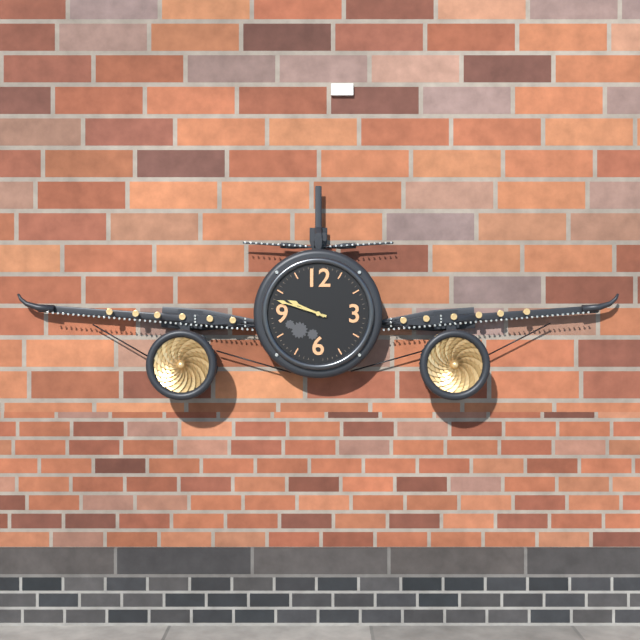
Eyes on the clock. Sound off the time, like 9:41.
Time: 9:48
